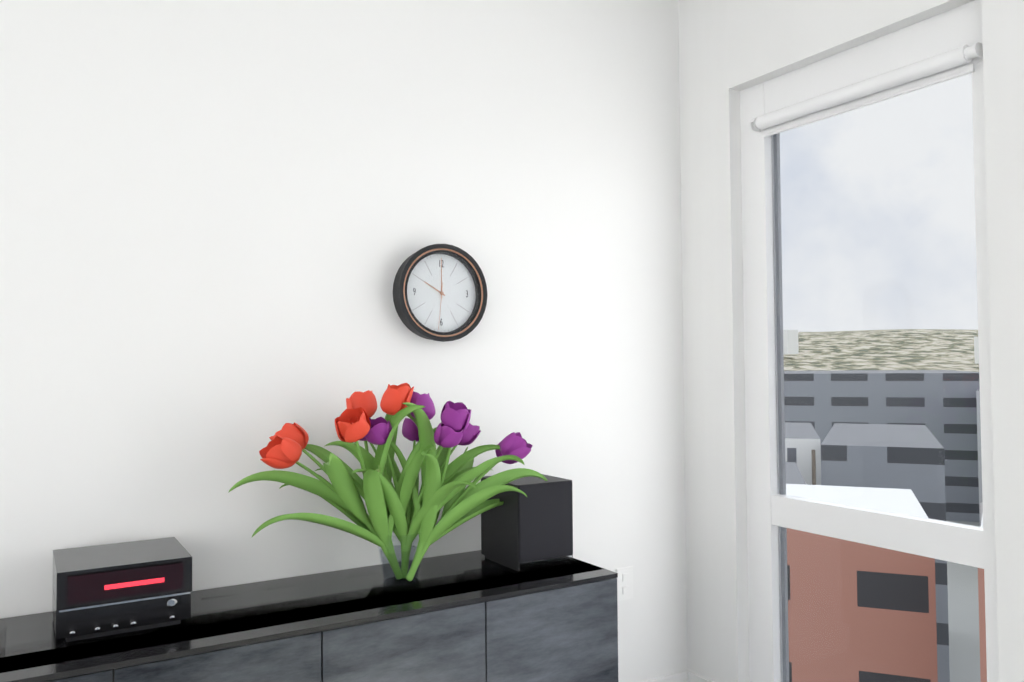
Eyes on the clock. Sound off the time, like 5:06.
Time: 10:00
